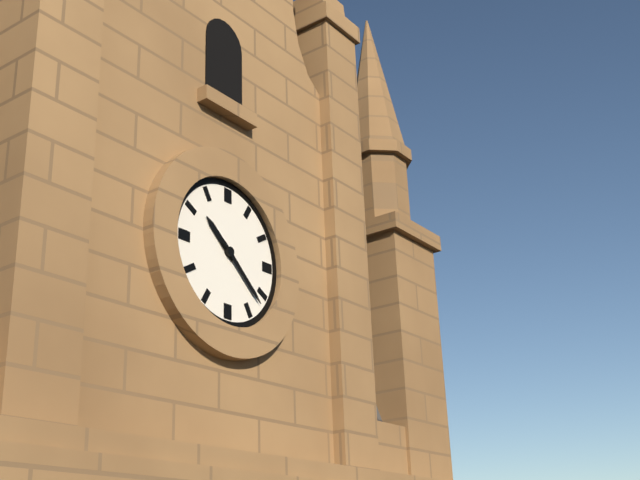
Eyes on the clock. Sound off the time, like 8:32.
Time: 10:22
